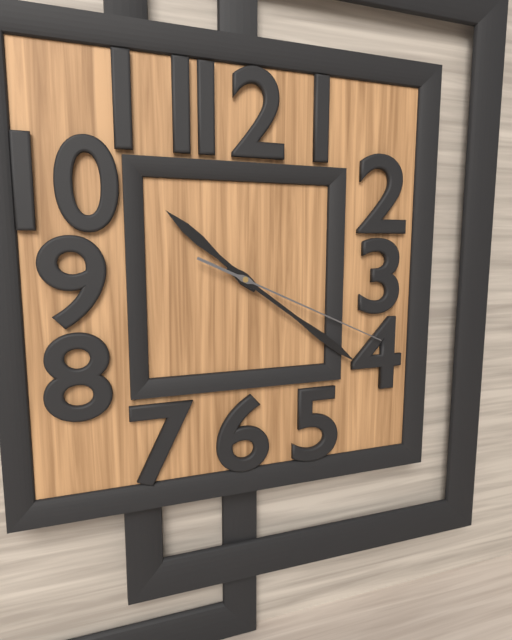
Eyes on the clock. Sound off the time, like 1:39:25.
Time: 10:21:19
